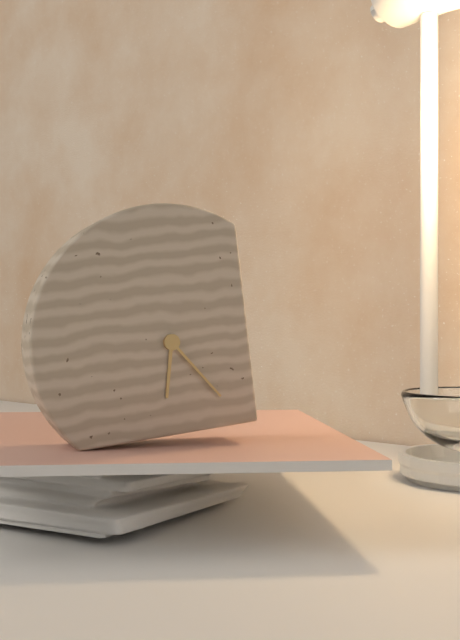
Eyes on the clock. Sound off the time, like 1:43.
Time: 6:24
